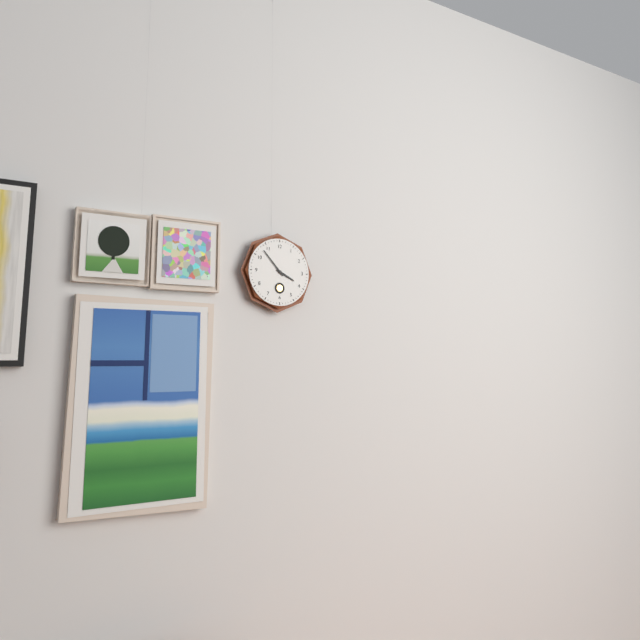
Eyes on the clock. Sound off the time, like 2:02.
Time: 3:53
